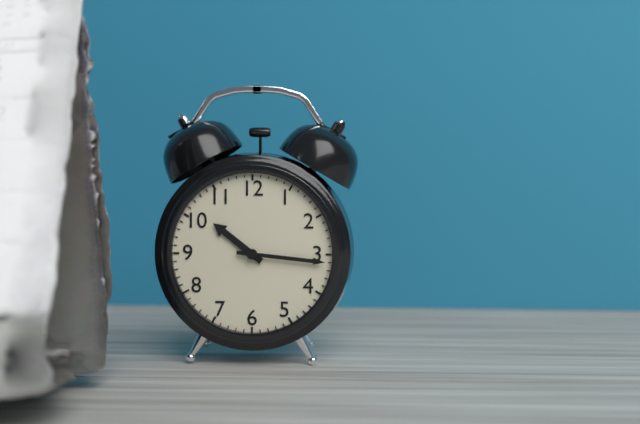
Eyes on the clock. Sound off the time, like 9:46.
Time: 10:16
